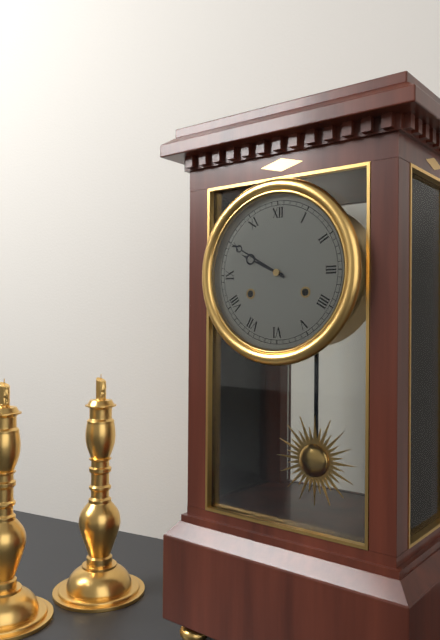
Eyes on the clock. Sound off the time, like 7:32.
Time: 9:50
